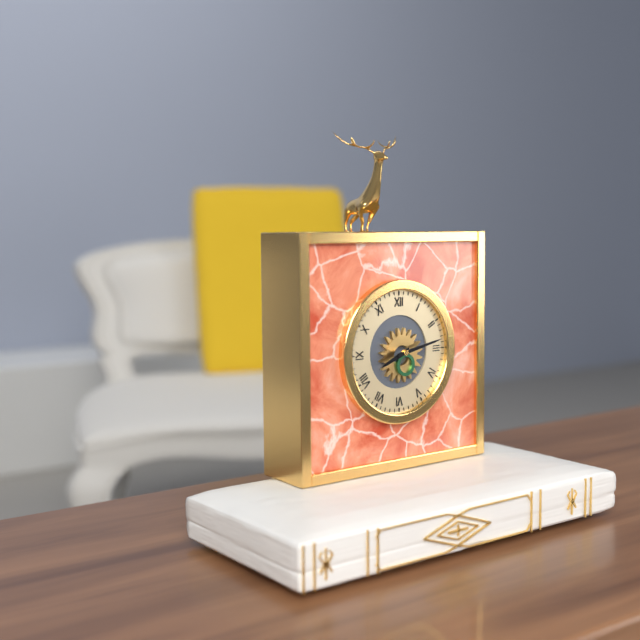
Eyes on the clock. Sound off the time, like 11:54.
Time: 8:13
